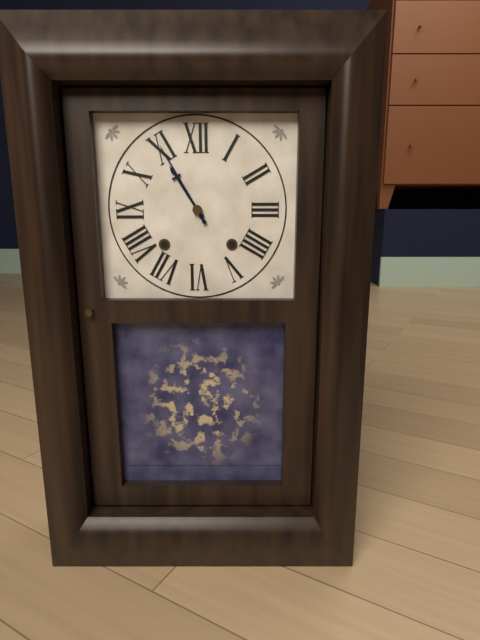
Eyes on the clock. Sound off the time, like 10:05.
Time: 10:55
